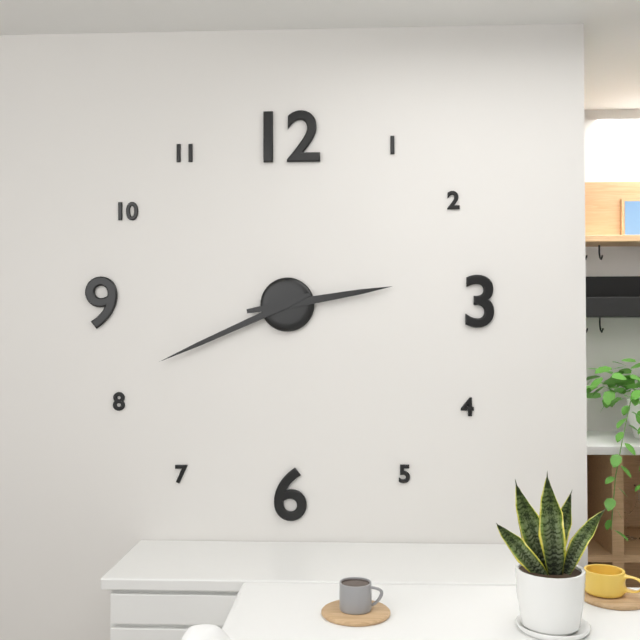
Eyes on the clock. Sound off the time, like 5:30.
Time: 2:41
